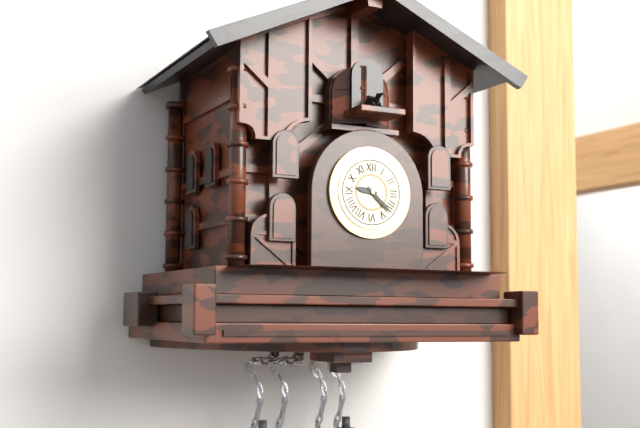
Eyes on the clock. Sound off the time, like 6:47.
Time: 9:22
